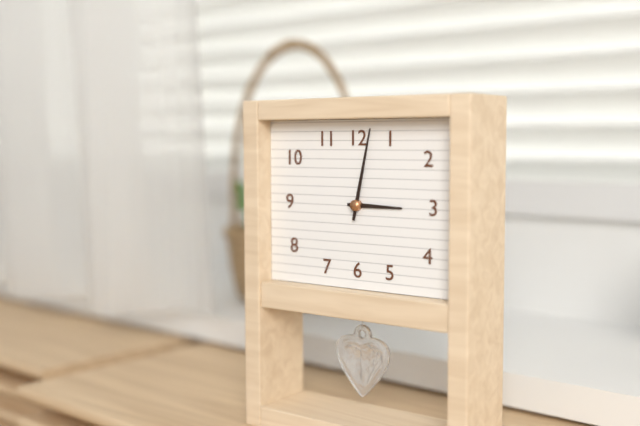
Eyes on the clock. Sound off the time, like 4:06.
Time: 3:02
